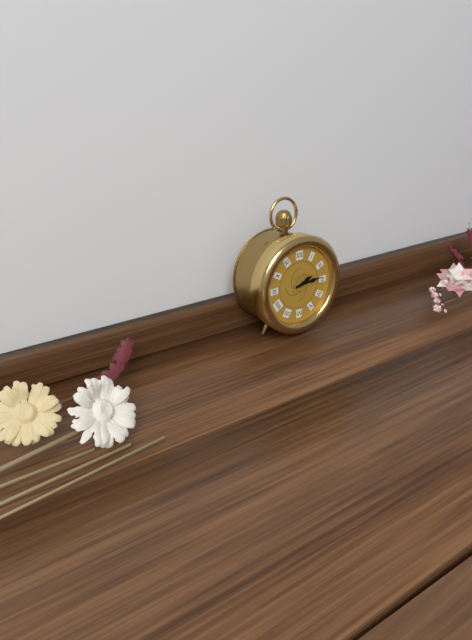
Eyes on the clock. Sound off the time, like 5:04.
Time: 2:14
